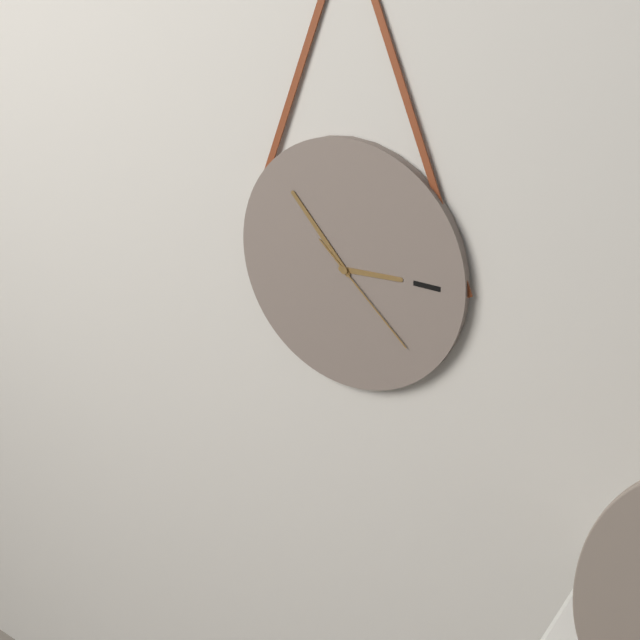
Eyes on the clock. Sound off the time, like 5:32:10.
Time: 2:53:22
